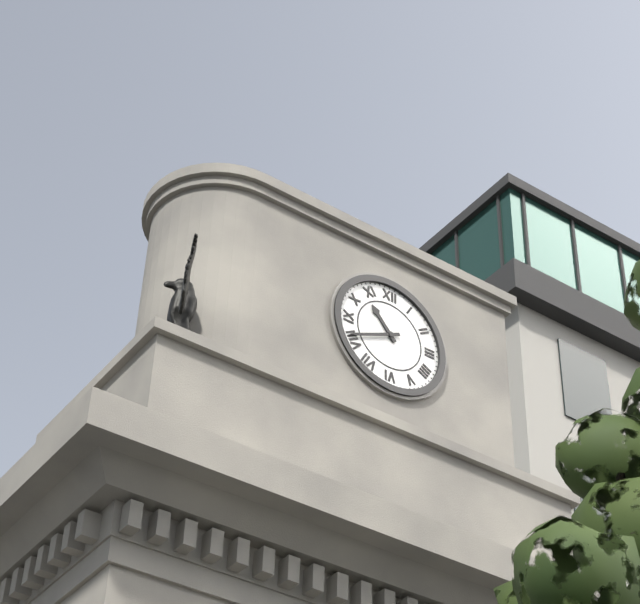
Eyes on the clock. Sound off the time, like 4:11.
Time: 10:41
